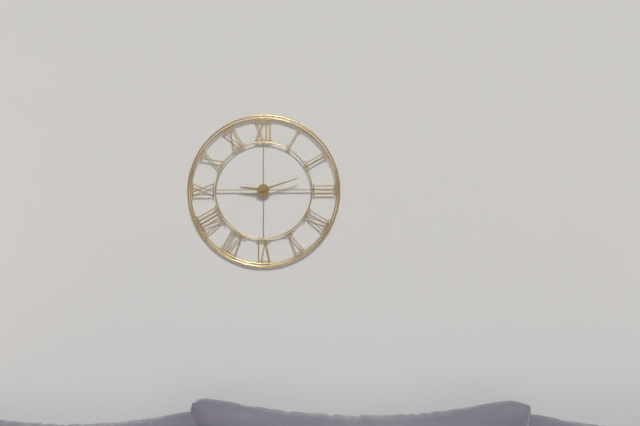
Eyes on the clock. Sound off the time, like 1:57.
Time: 9:12
